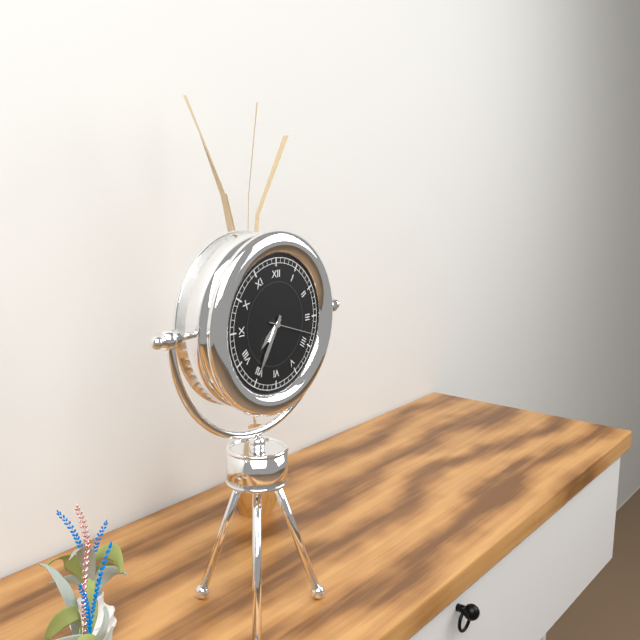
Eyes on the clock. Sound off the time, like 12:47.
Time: 7:35
